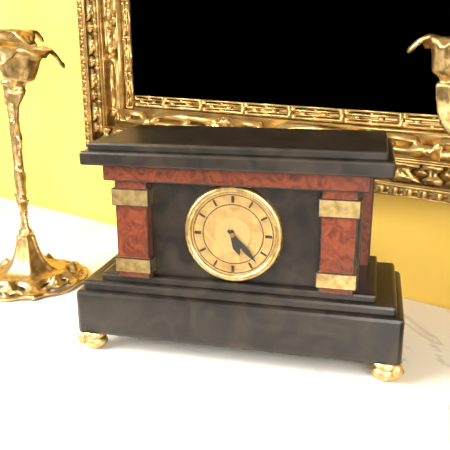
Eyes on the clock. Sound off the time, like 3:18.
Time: 5:23
